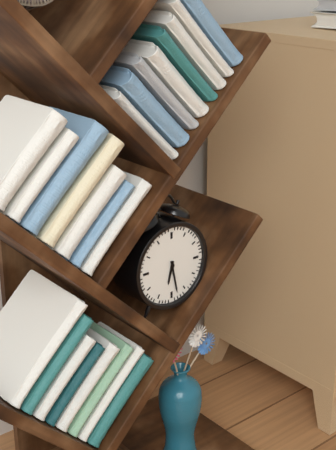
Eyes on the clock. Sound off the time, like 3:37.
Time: 6:28
